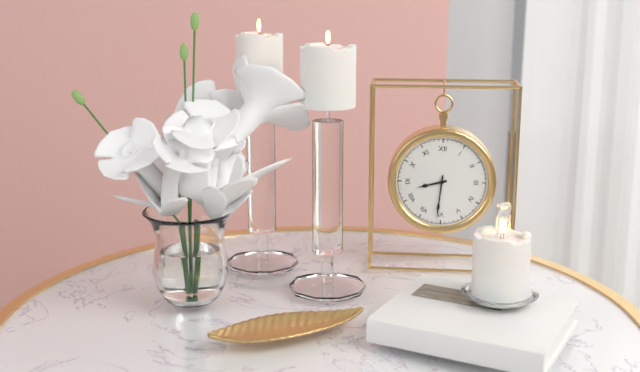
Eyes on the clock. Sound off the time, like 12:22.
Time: 8:31
